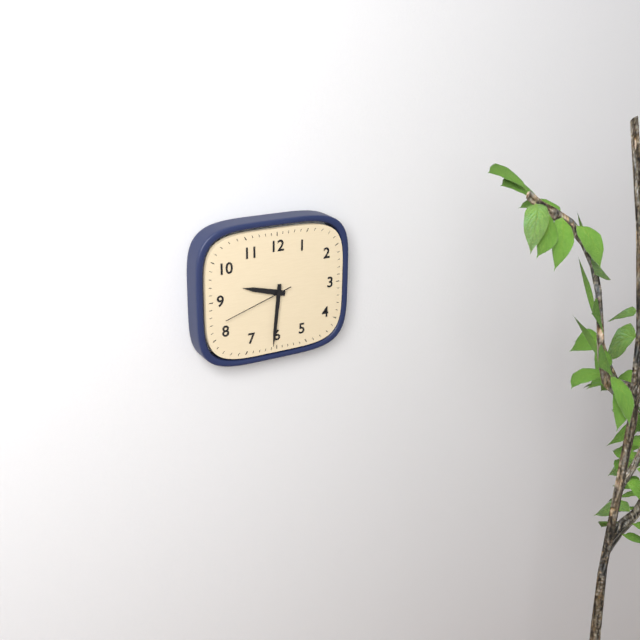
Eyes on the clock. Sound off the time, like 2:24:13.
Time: 9:31:42
